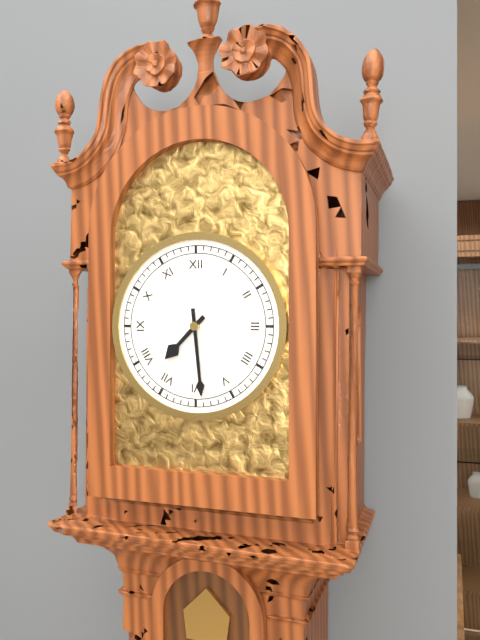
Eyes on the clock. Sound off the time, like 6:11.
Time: 7:29
